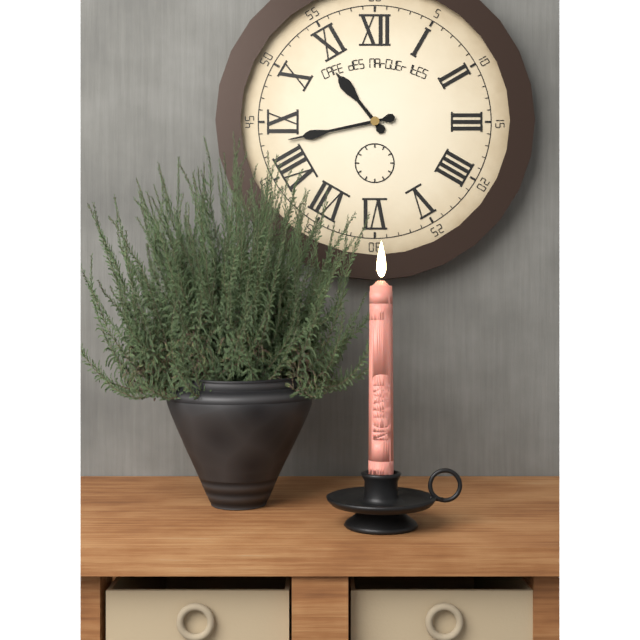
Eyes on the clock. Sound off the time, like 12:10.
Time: 10:43
